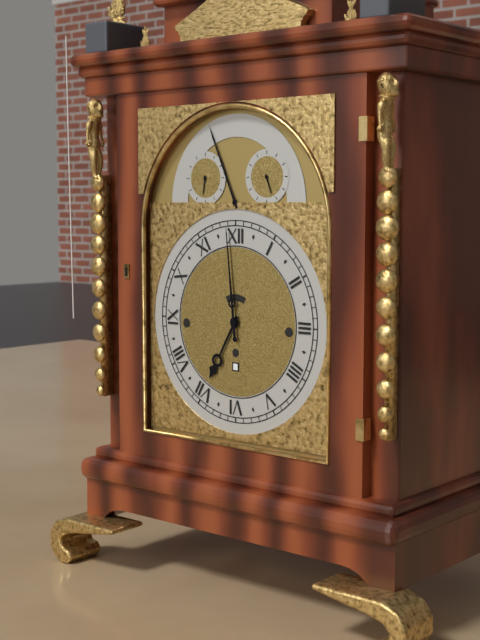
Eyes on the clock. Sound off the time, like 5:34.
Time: 6:59
